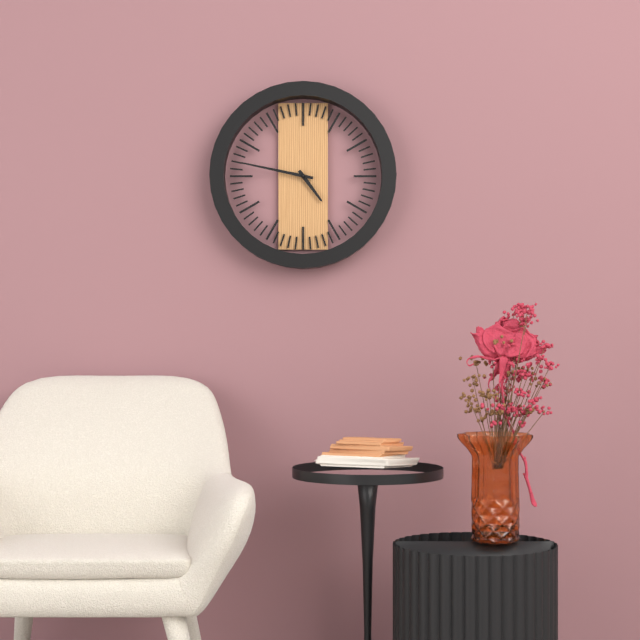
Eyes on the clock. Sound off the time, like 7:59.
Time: 4:47
